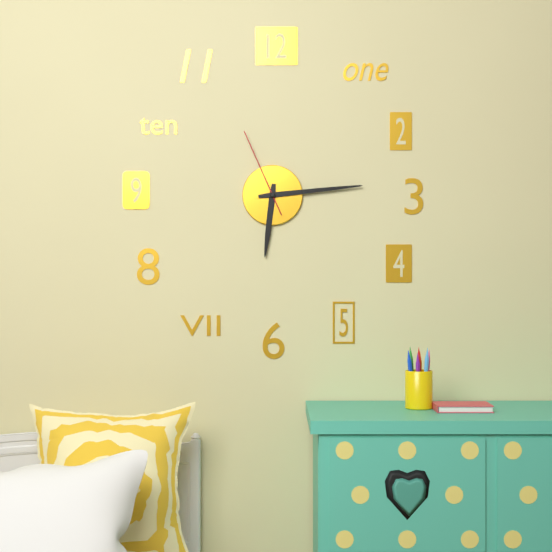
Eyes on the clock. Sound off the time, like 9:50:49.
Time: 6:14:56
